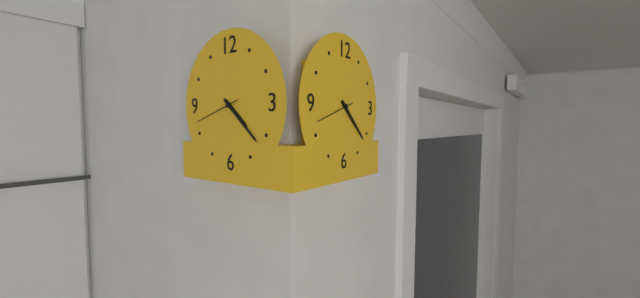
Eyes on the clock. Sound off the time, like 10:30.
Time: 4:22
